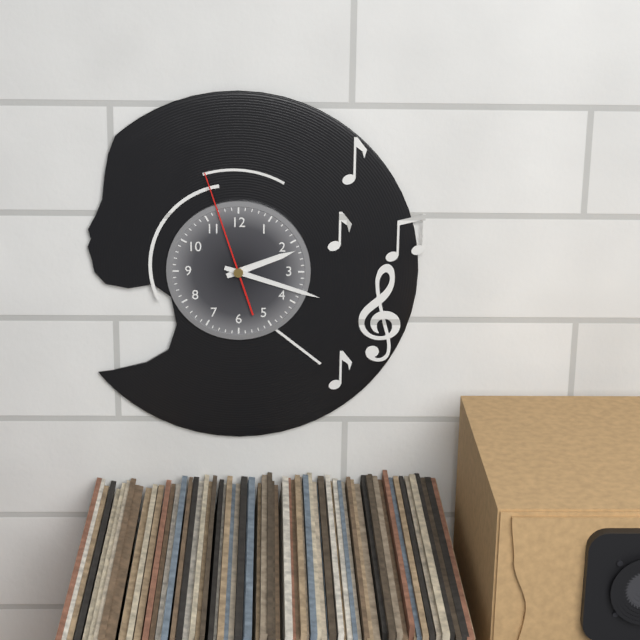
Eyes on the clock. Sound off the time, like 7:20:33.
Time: 2:18:57
